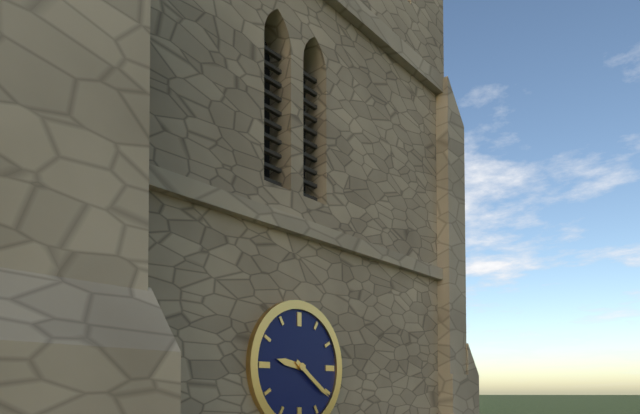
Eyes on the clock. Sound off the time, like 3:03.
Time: 9:21
